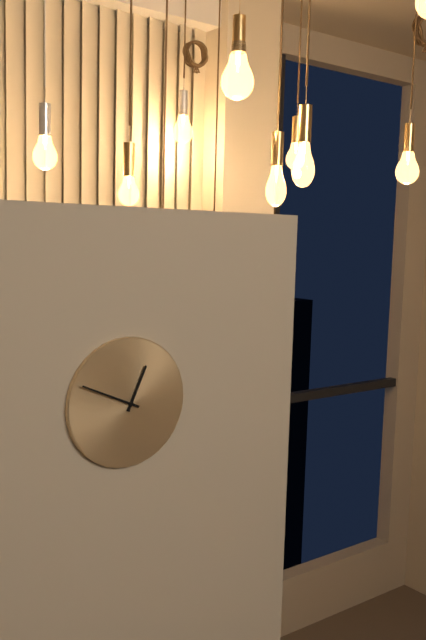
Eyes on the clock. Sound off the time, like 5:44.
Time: 12:49
